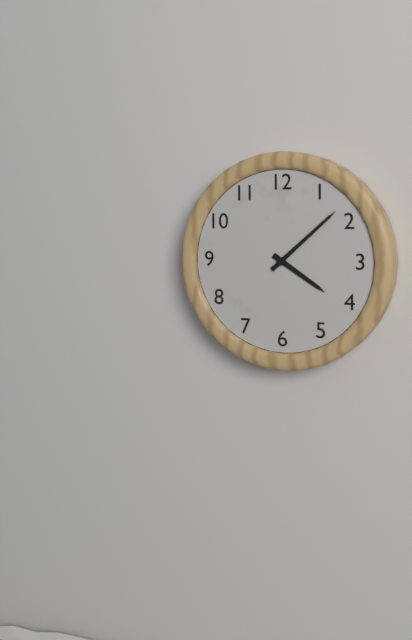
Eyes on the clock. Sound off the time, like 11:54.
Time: 4:08
